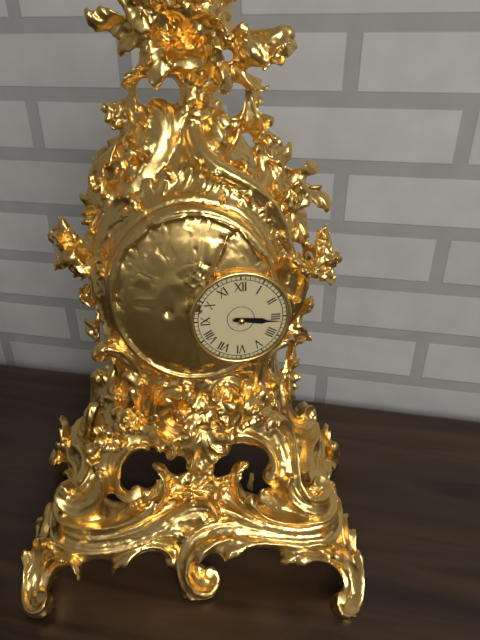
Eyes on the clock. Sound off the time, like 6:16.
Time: 3:16
